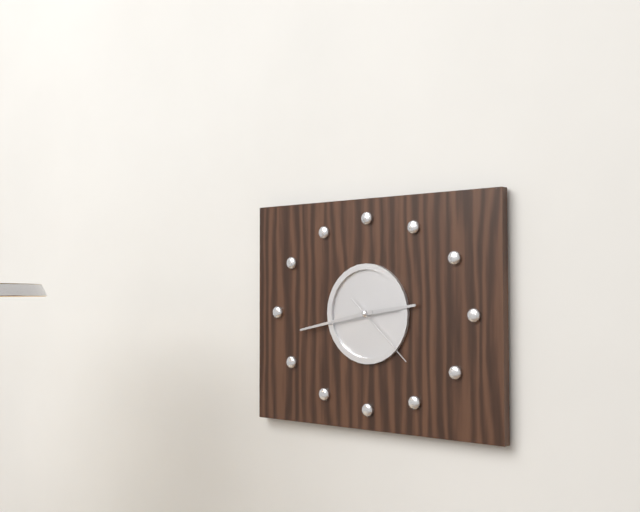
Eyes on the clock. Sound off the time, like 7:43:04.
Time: 2:43:22
